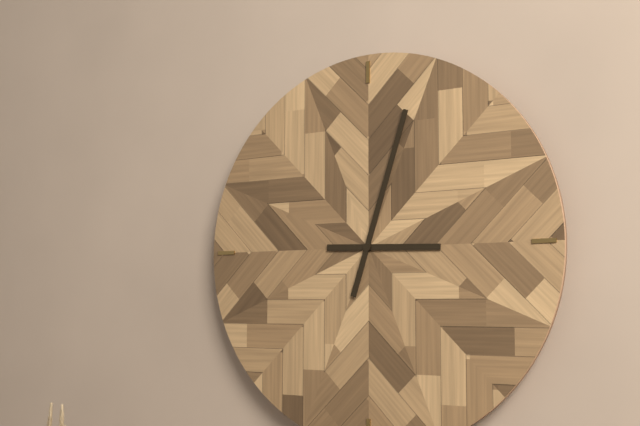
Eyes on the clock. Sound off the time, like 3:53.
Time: 3:03
